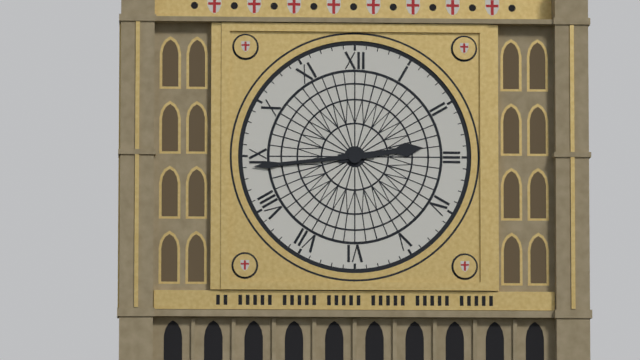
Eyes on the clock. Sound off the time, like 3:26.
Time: 2:44
